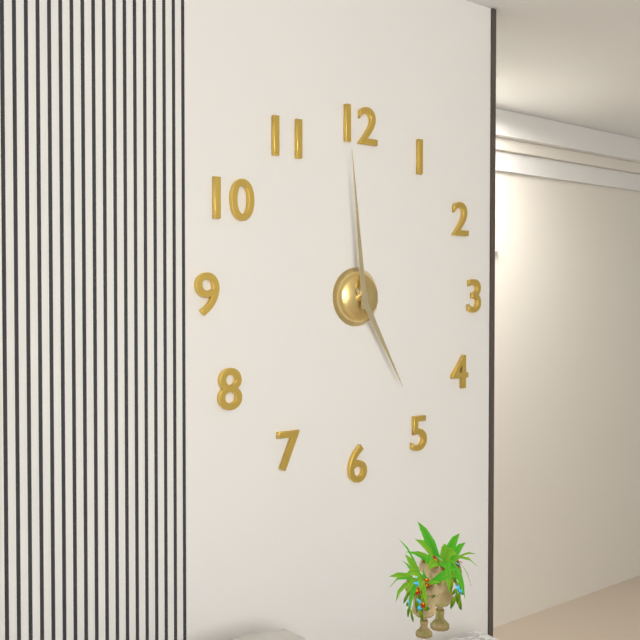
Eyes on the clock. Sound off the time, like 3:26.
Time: 4:59
